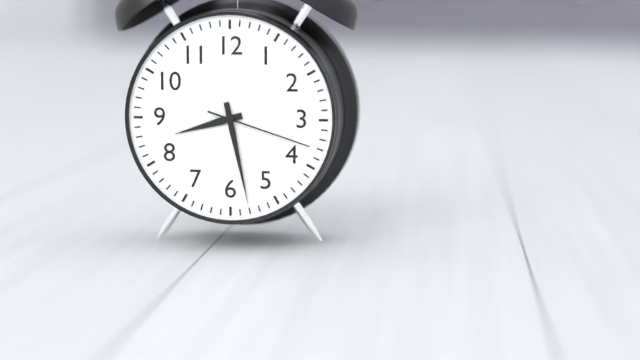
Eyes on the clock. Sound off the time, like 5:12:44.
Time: 8:28:18
